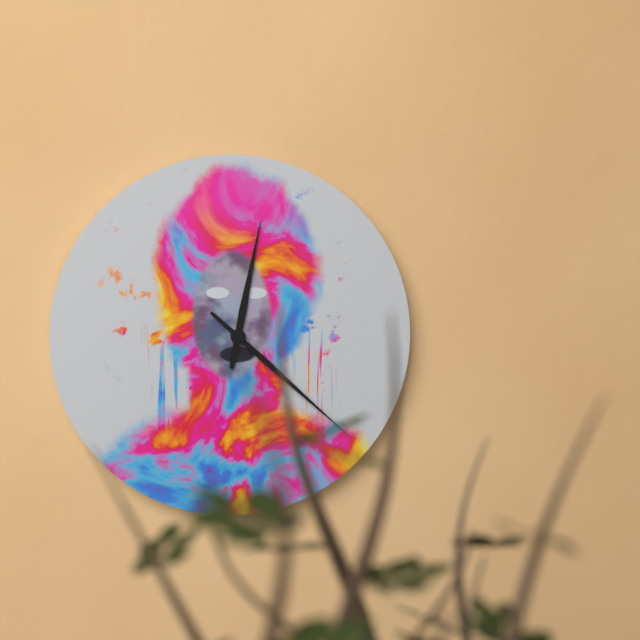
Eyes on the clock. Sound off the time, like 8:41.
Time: 12:22
